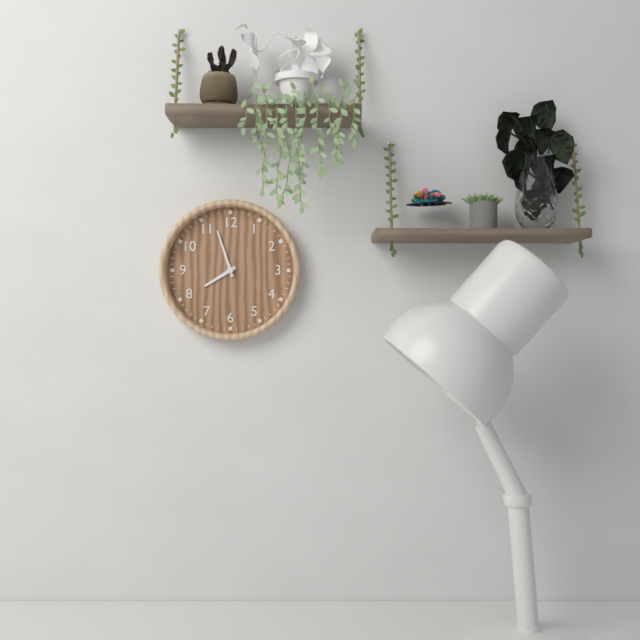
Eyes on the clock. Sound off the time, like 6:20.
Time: 7:57
